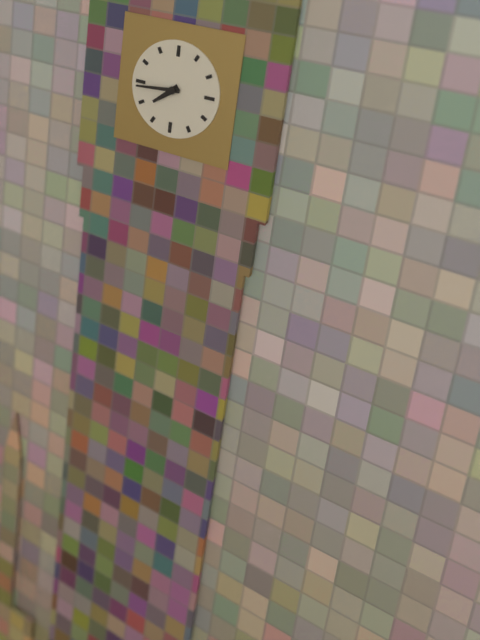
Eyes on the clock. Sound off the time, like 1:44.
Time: 7:44
